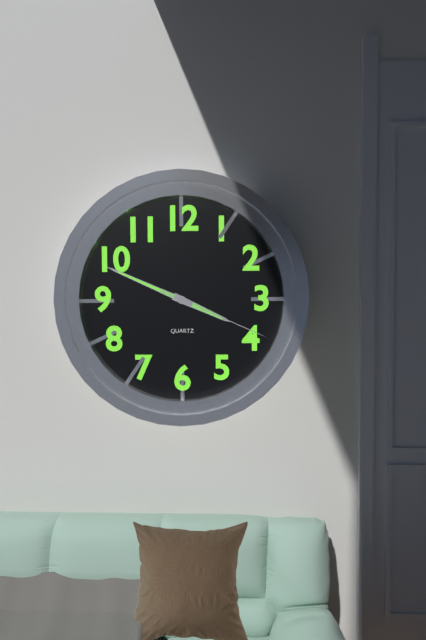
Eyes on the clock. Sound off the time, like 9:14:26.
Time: 3:49:19
